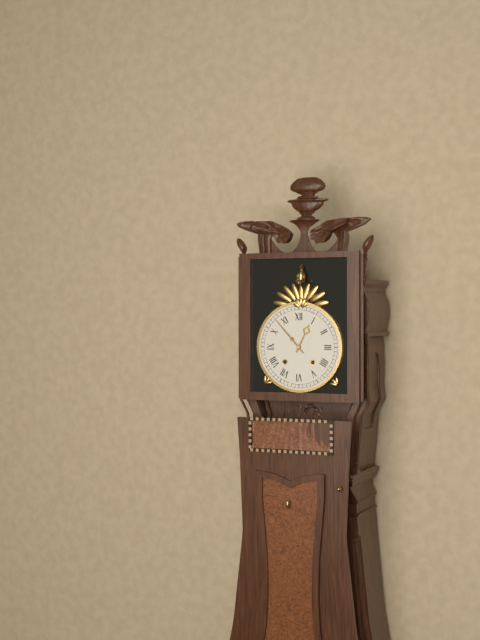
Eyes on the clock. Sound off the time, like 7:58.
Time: 12:53
